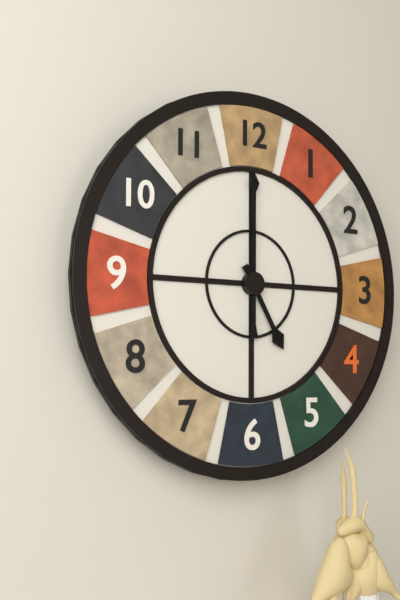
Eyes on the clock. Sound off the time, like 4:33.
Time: 5:00
